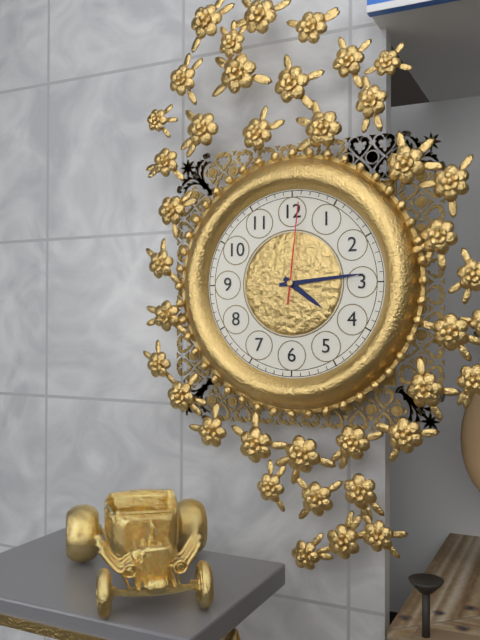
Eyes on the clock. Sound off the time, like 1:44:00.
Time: 4:14:01
